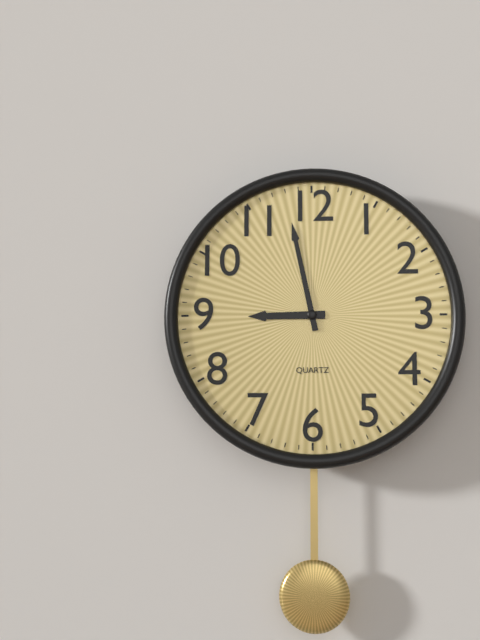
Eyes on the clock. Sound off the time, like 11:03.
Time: 8:58
